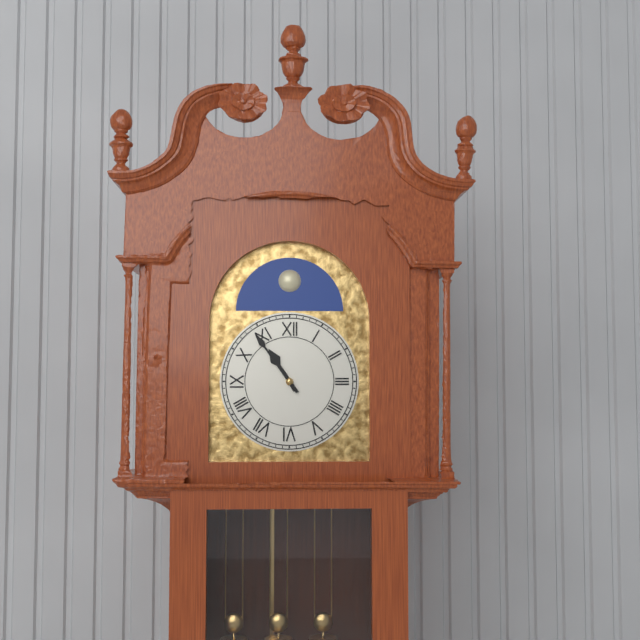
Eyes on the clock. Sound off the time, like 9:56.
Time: 10:54
